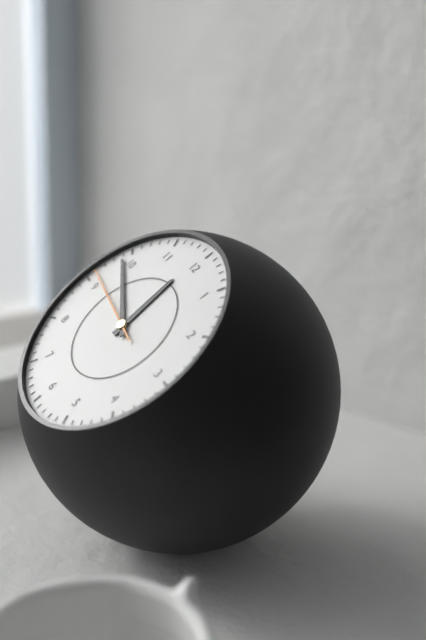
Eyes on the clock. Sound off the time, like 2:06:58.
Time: 11:49:46
